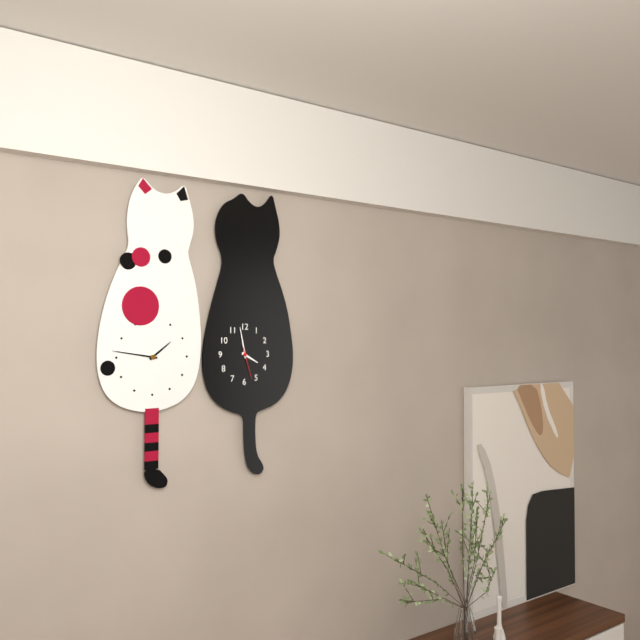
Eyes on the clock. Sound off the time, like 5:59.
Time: 3:58
